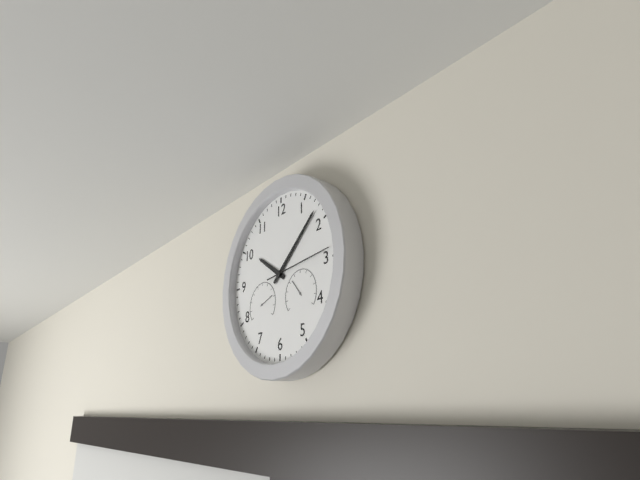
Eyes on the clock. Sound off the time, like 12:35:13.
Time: 10:08:14
